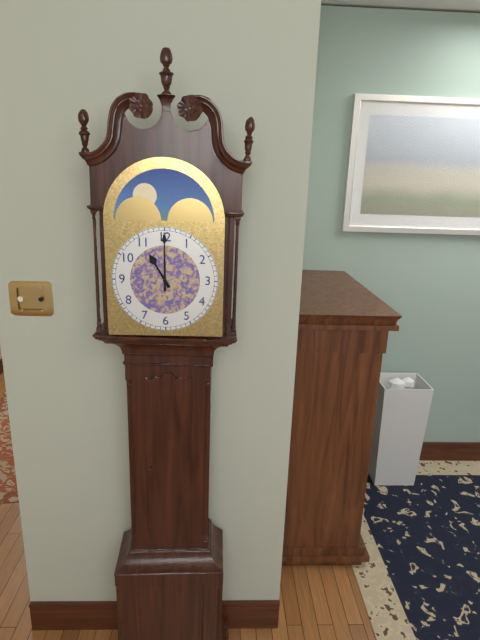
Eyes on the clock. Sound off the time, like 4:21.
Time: 11:00
